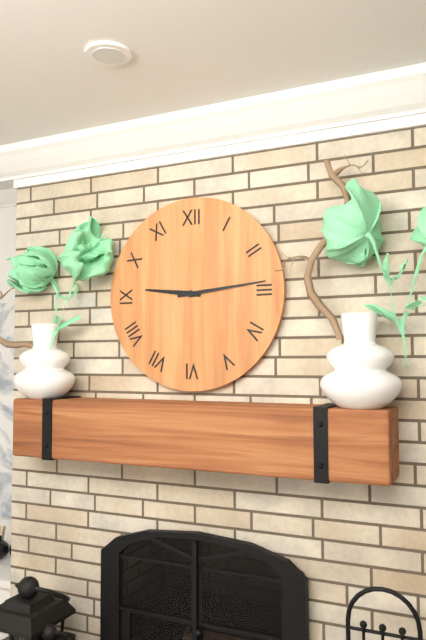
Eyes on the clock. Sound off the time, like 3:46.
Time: 9:14
